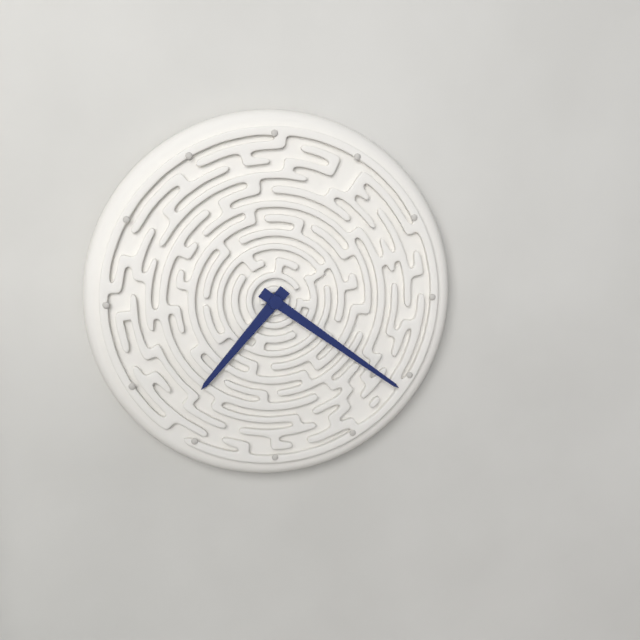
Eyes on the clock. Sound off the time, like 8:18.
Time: 7:21
